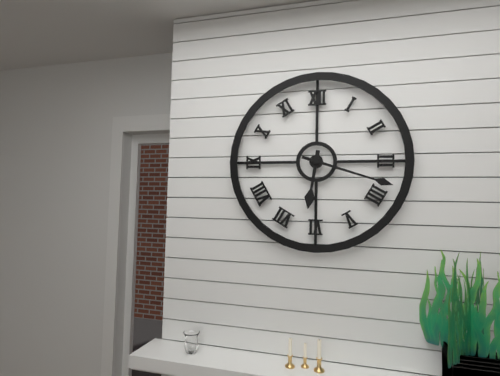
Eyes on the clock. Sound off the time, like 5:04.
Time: 6:18
